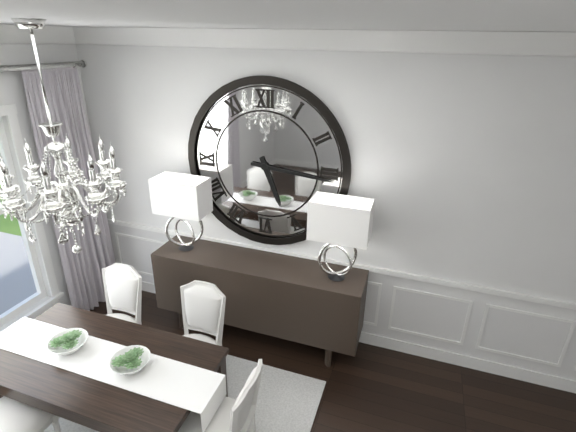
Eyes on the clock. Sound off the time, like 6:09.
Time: 5:16
